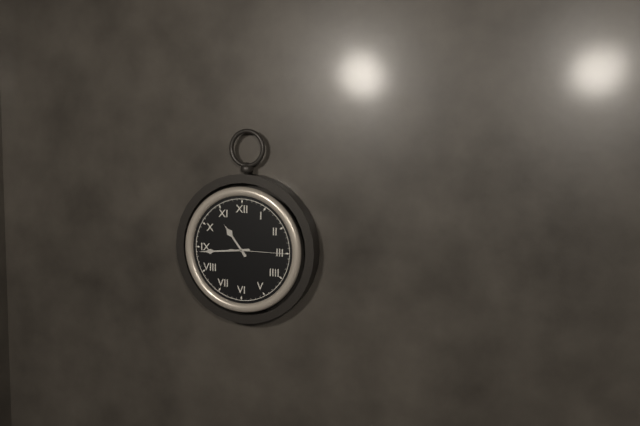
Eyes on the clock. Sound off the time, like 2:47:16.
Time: 10:44:15
